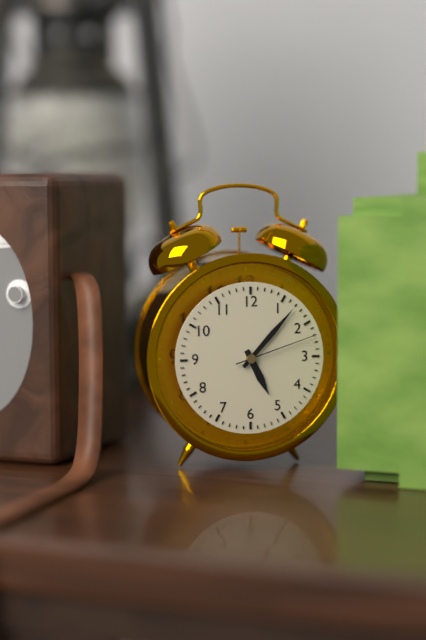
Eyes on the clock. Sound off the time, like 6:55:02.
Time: 5:07:12
